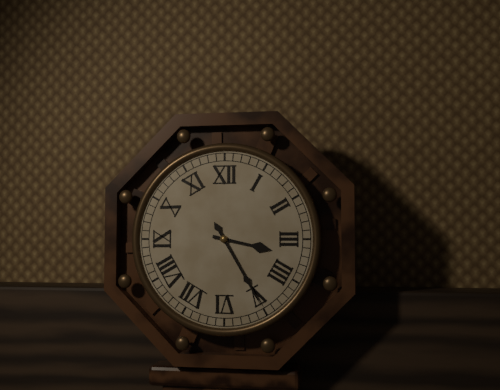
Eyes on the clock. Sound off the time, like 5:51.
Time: 3:25
